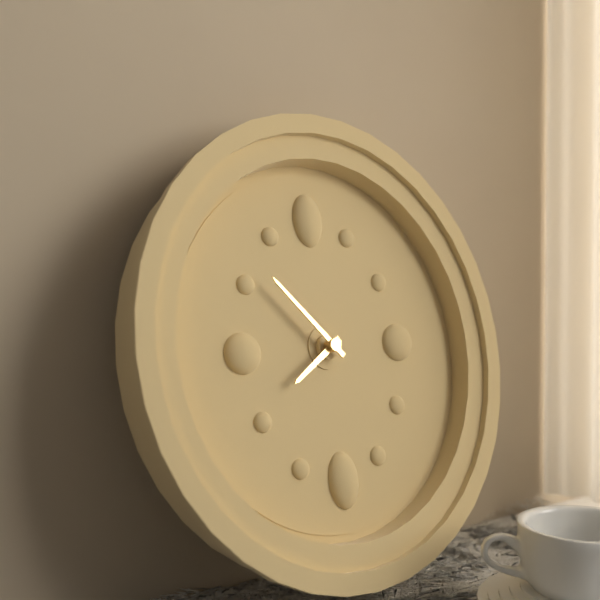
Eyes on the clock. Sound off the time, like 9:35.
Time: 7:53
